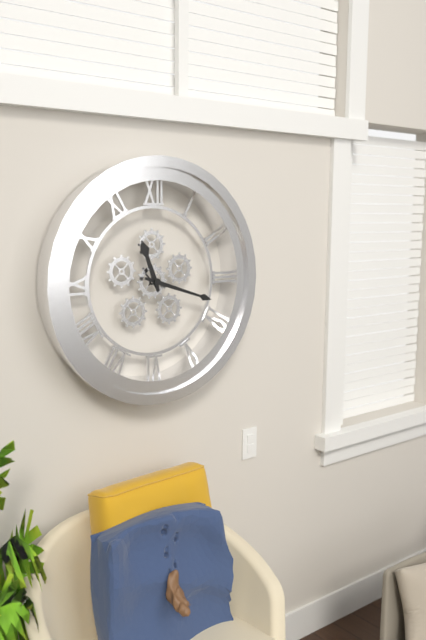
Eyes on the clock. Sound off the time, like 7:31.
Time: 11:18
